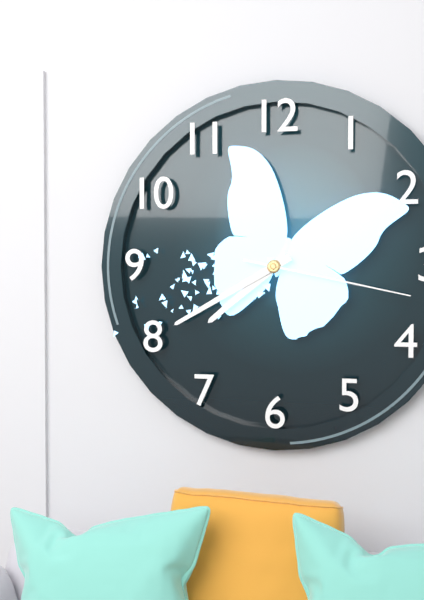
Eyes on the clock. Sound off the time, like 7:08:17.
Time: 7:40:17
